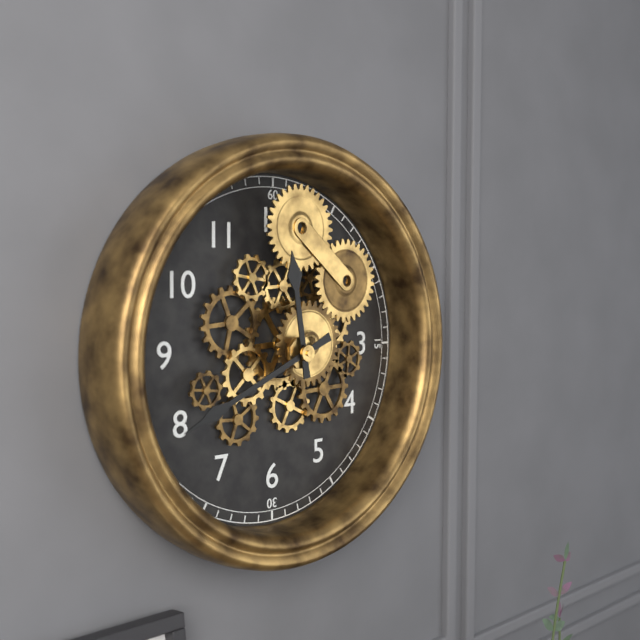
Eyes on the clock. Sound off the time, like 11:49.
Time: 11:41
